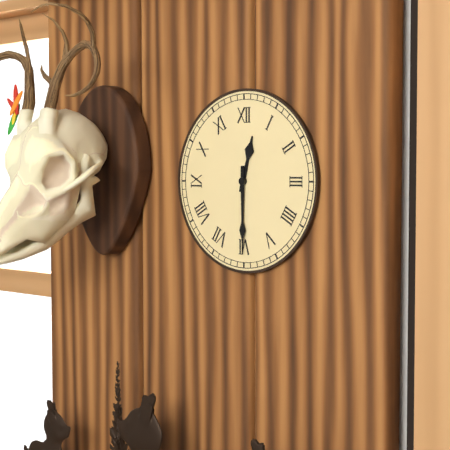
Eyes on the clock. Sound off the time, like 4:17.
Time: 12:30
